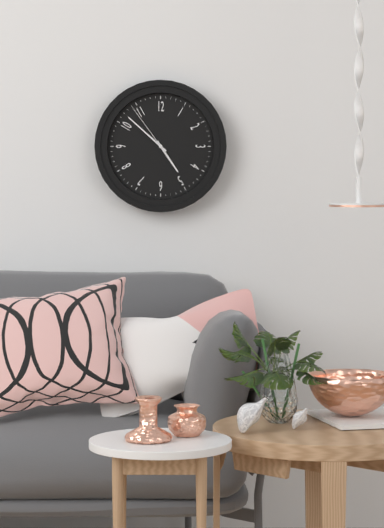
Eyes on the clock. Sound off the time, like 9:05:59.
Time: 4:52:54
